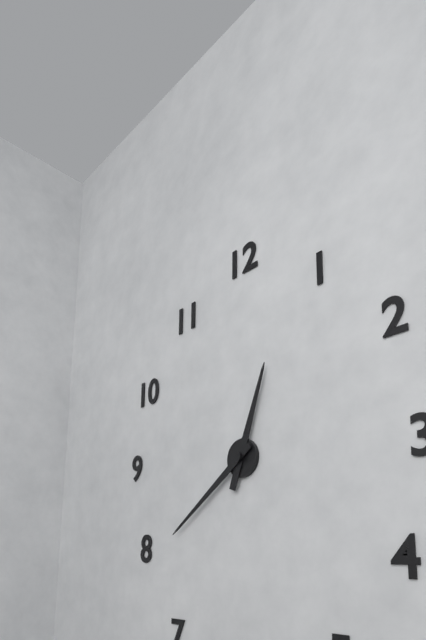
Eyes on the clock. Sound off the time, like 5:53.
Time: 12:39
